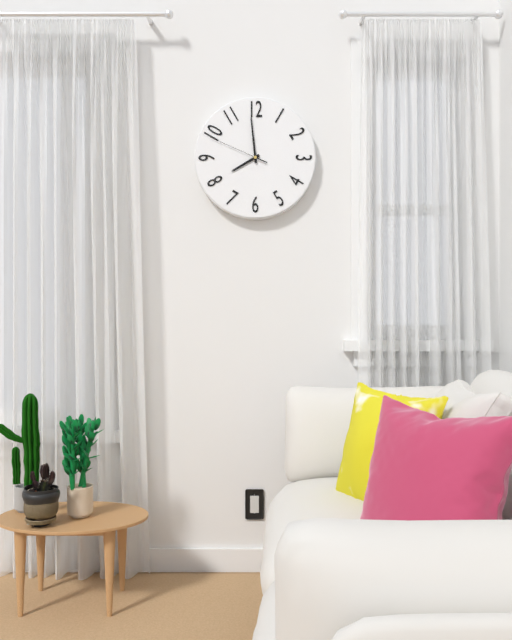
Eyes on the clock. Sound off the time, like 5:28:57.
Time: 7:59:49
